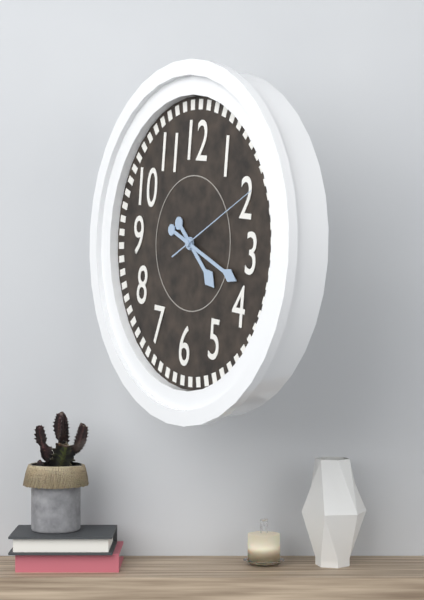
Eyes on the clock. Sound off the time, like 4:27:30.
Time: 4:18:10
